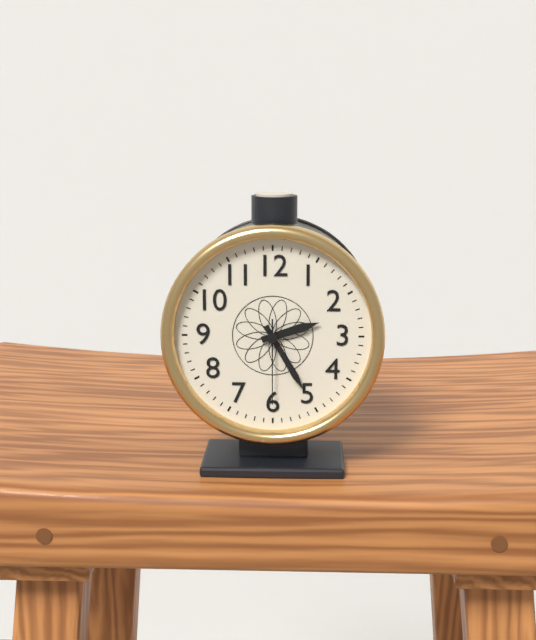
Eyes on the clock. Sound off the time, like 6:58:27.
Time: 2:25:30
